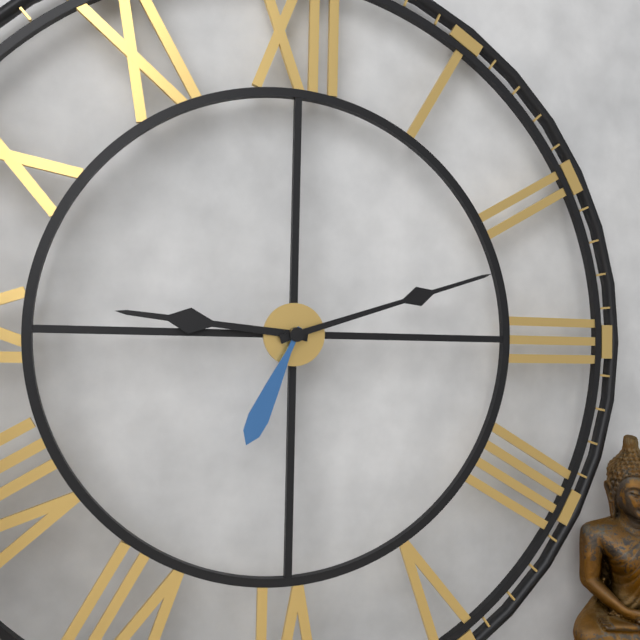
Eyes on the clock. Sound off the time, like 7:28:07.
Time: 9:12:34
